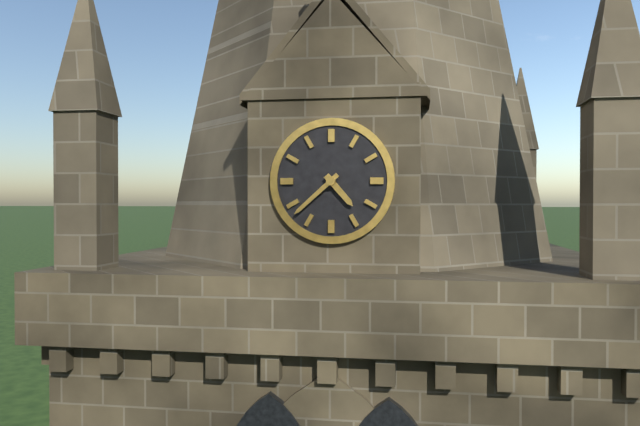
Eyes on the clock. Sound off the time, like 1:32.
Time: 4:38
